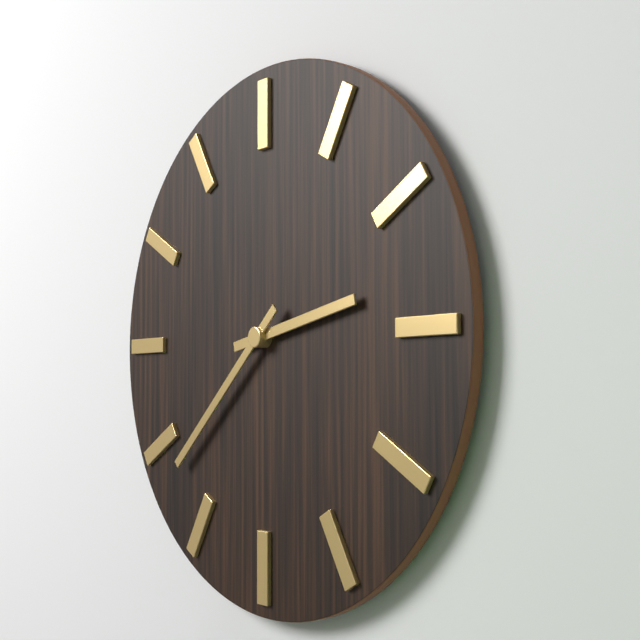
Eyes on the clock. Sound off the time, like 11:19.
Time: 2:38
